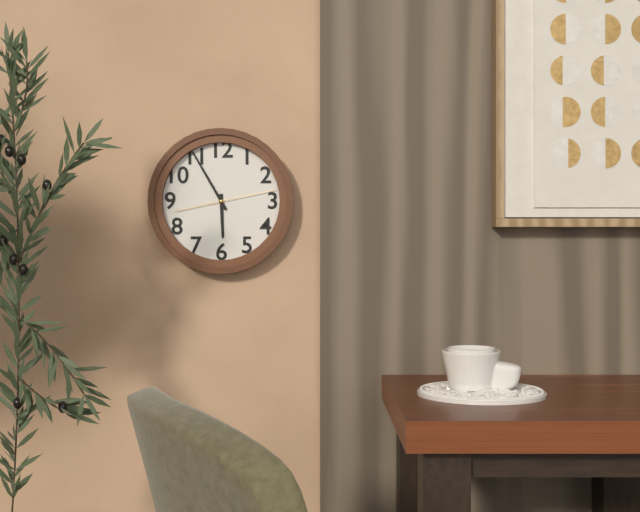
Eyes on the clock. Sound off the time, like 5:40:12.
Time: 5:55:13
